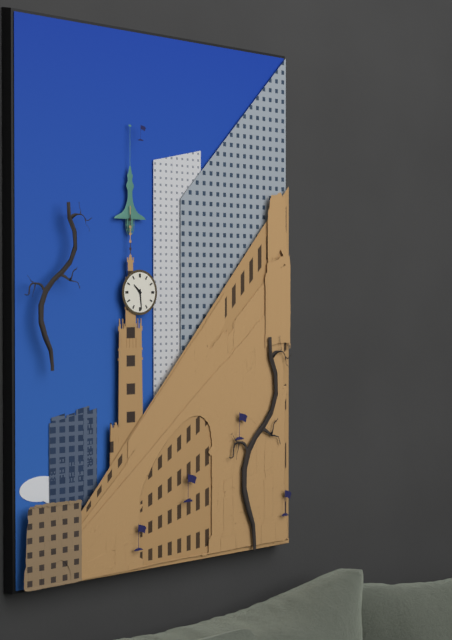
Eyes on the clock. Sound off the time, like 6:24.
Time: 10:29
